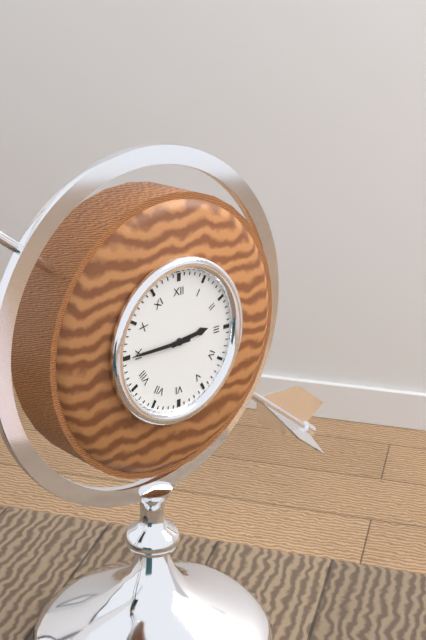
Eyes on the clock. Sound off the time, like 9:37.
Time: 2:45
